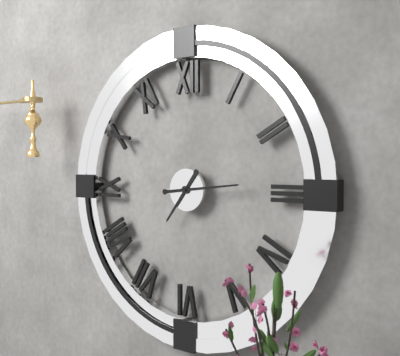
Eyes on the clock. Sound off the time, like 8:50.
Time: 7:14
